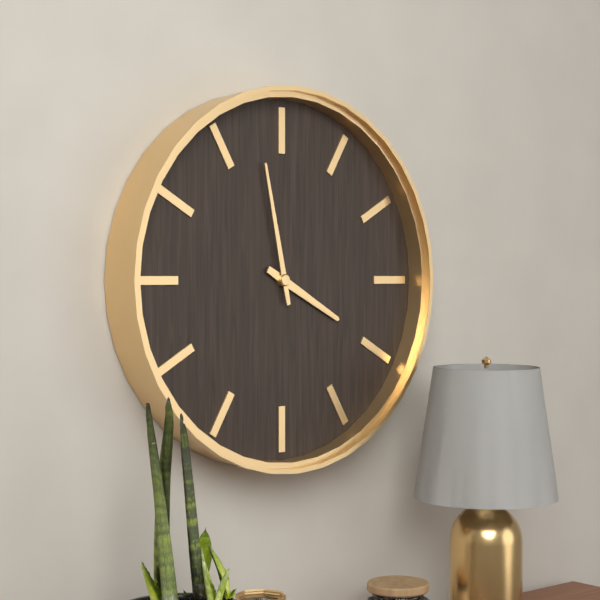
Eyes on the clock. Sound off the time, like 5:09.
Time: 3:58
